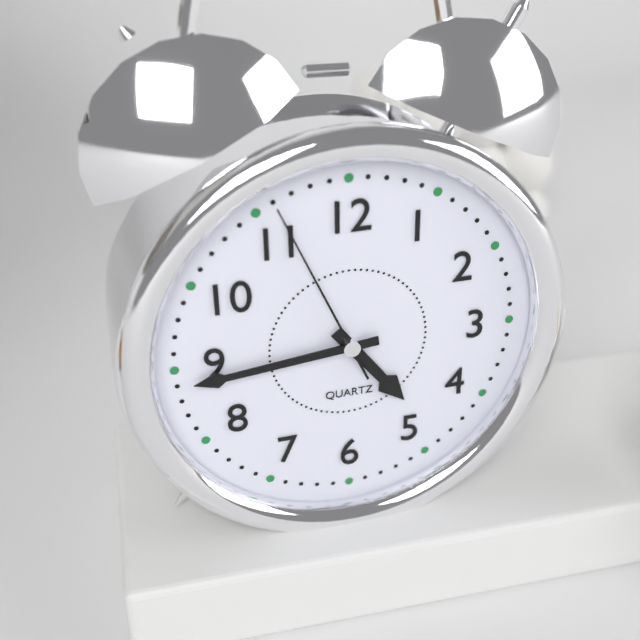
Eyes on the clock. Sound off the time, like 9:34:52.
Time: 4:44:56
